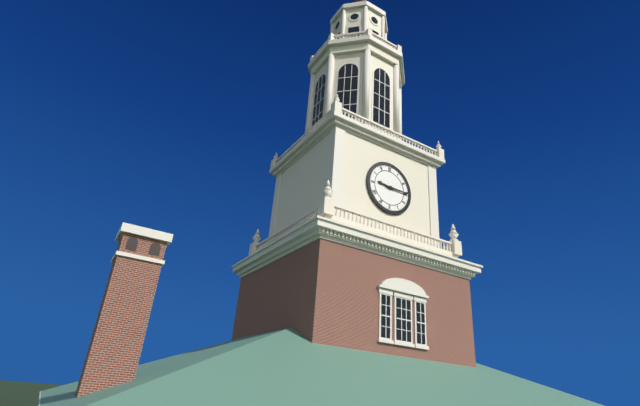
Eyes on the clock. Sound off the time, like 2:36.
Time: 9:15
